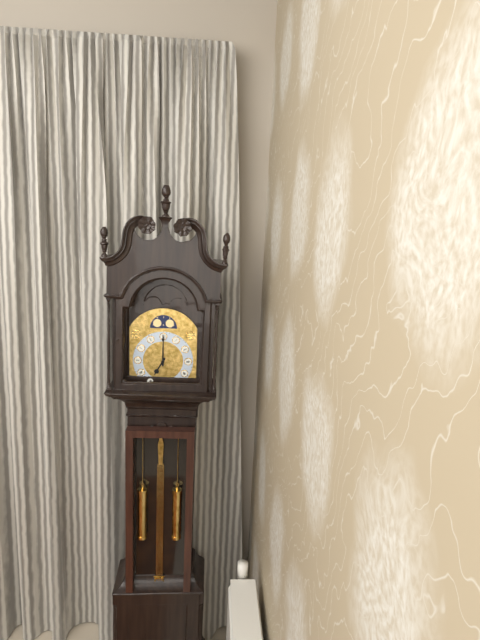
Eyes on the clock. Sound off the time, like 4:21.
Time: 7:00
